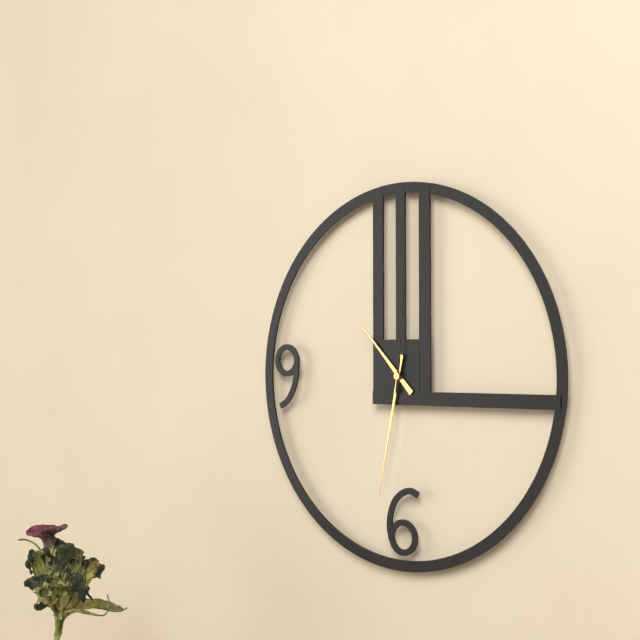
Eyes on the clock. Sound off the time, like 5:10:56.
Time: 10:32:01
